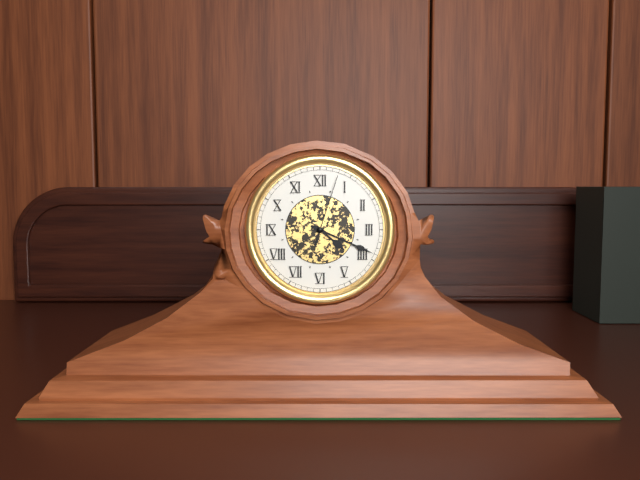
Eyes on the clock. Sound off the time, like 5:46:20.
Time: 4:19:03
